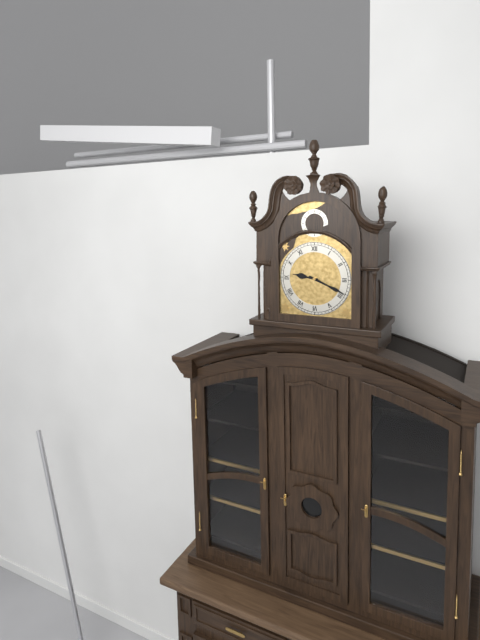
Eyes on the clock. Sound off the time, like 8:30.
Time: 9:19
